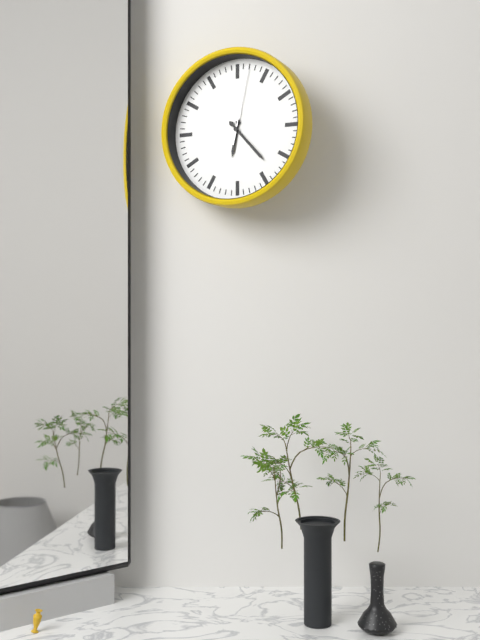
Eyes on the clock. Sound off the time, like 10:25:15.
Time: 6:23:02
